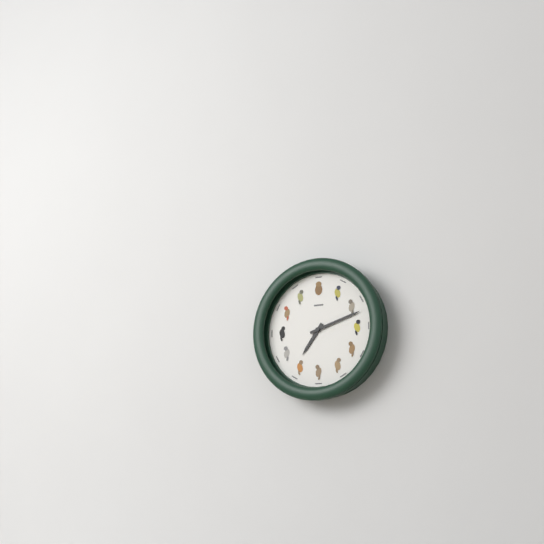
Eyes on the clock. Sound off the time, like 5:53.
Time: 7:12
